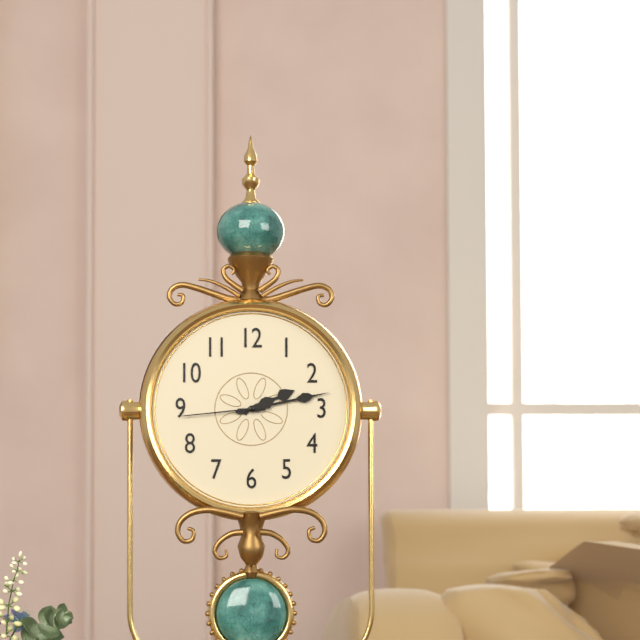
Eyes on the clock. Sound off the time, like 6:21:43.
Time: 2:13:44
